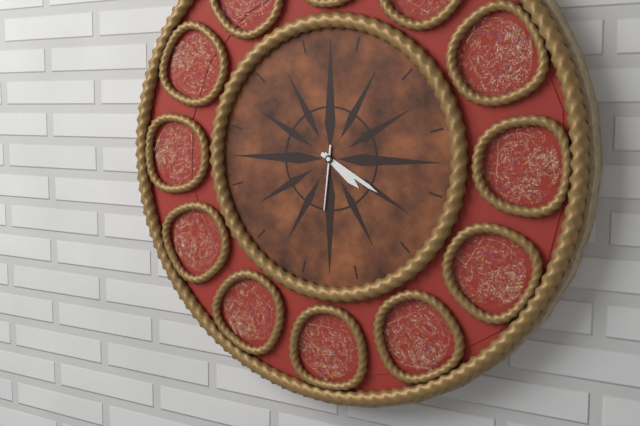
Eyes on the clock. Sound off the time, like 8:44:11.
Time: 4:20:31
